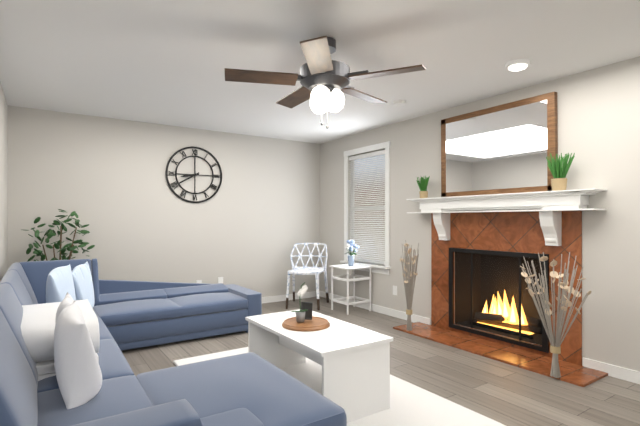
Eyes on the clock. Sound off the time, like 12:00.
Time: 8:40
